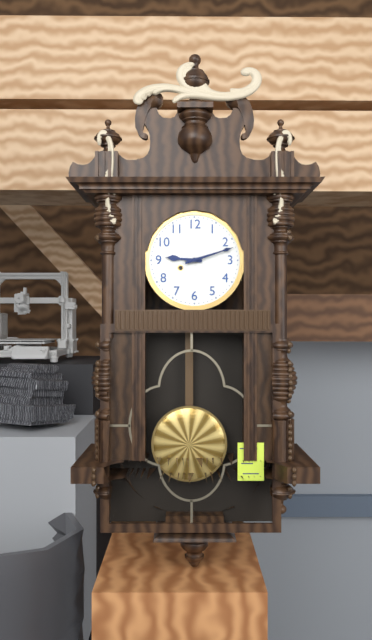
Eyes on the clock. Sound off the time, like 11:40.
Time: 9:12
